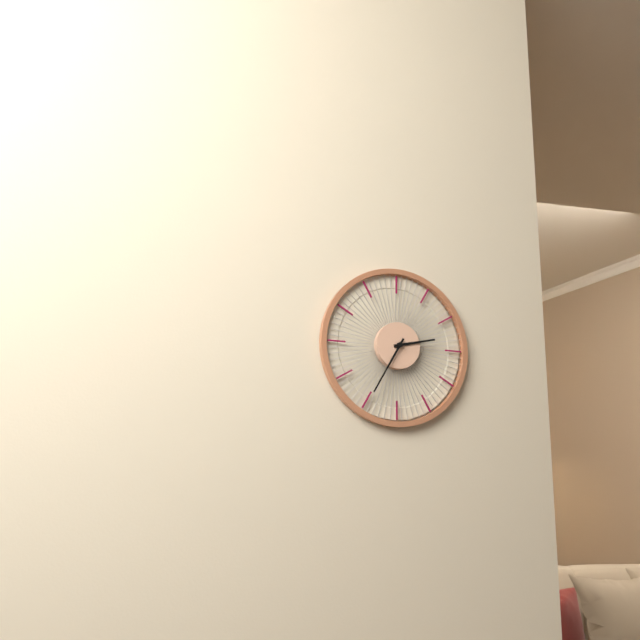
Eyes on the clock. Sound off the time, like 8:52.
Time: 2:35
